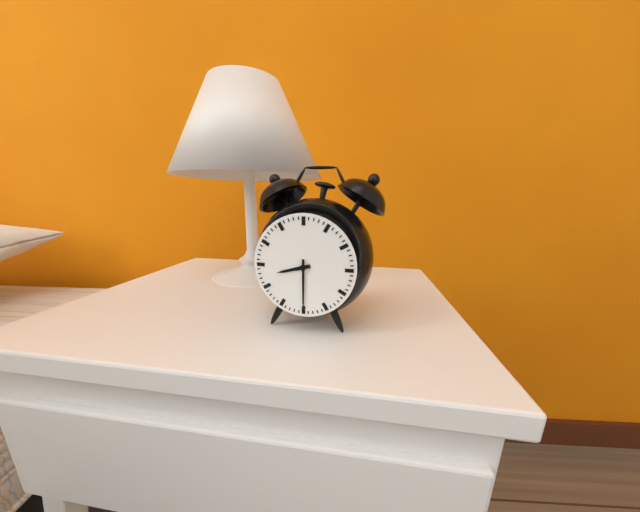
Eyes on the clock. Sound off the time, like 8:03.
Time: 8:30
